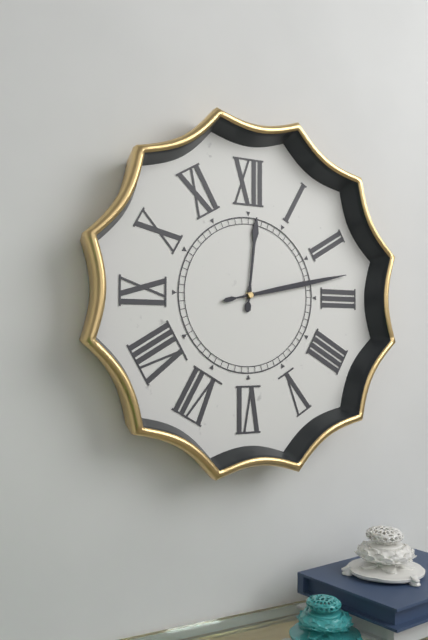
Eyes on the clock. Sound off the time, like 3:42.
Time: 12:13
